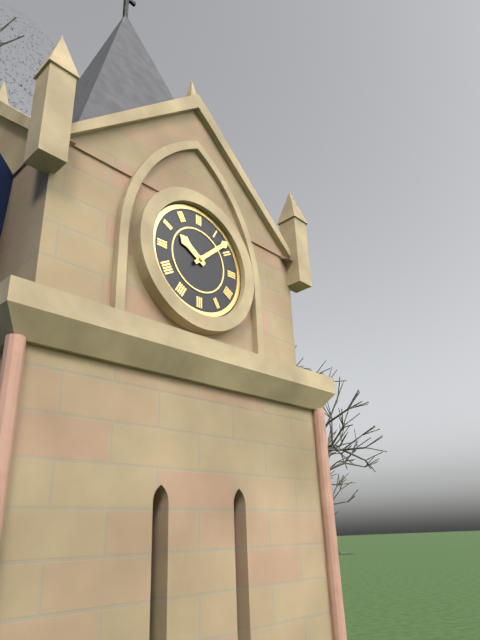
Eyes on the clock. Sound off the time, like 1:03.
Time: 10:08
